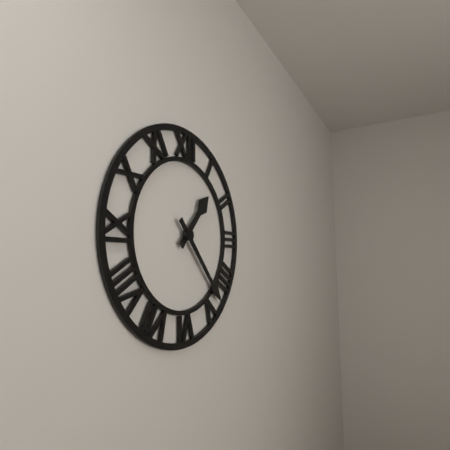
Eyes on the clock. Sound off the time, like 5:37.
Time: 1:23
